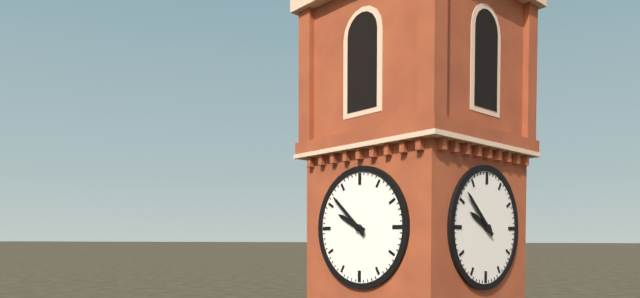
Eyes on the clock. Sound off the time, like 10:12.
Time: 9:52
